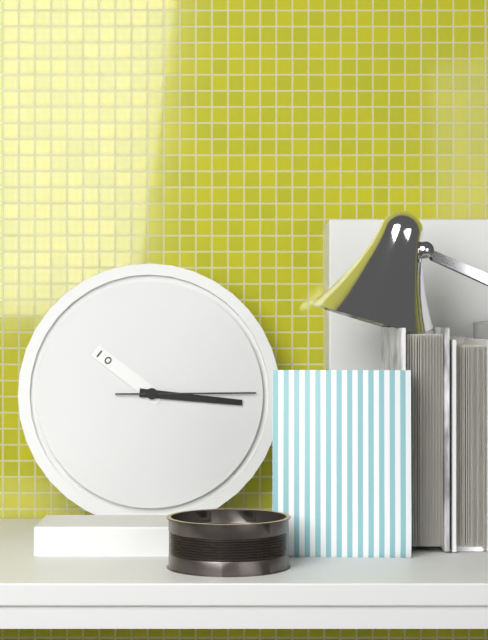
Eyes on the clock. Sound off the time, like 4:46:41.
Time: 10:16:15
